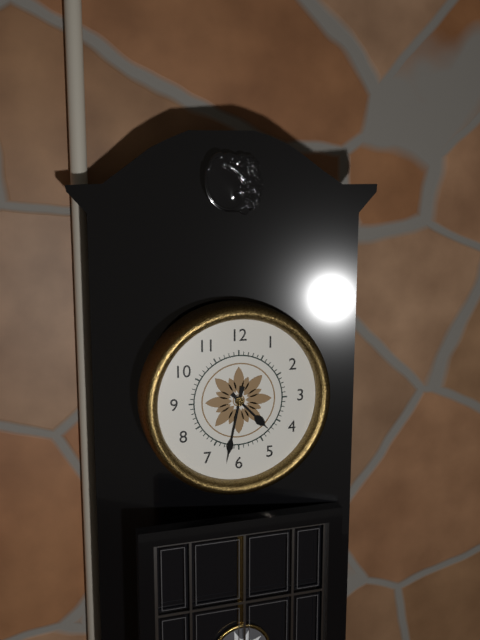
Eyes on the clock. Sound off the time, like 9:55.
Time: 4:32
